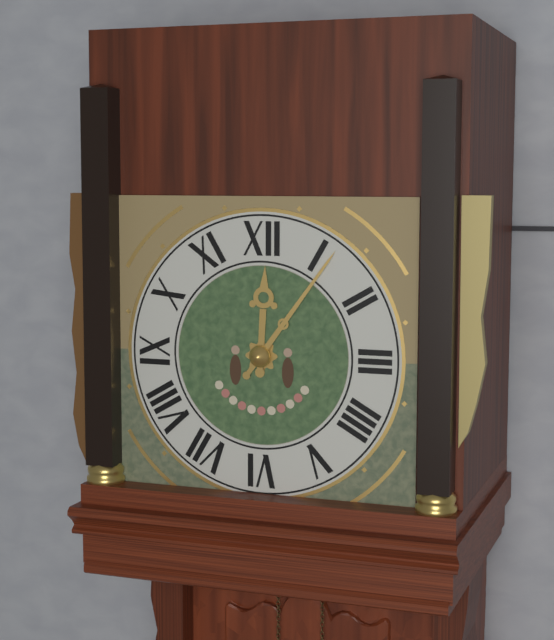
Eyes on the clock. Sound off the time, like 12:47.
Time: 12:06
